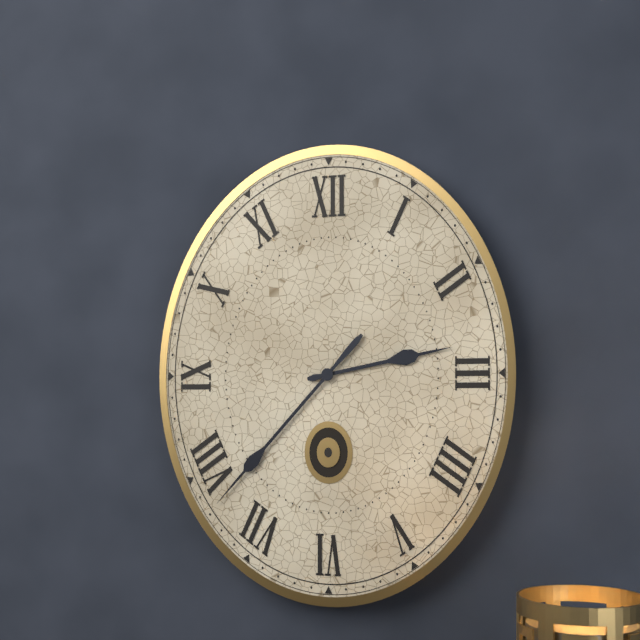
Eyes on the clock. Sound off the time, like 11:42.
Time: 2:37
